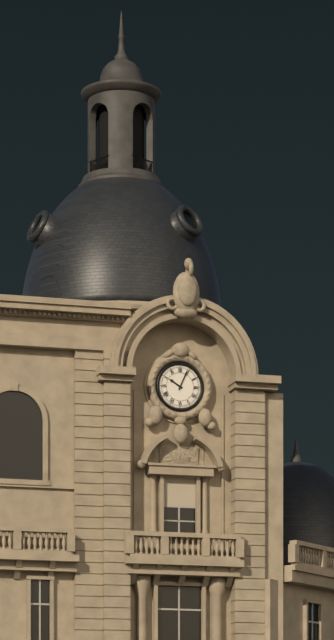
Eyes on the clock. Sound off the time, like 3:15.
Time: 10:04
